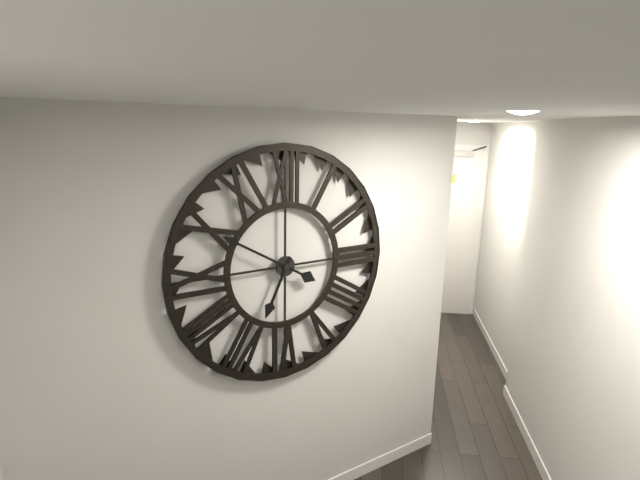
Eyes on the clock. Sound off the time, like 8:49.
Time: 6:50
